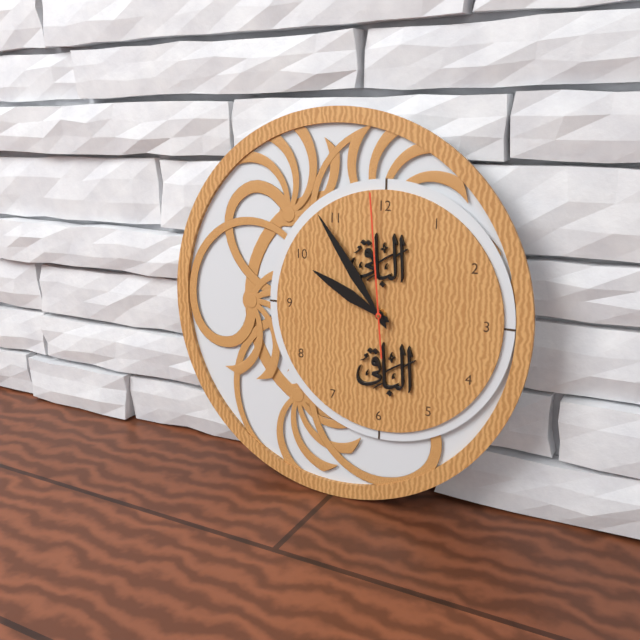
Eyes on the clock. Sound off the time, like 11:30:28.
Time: 9:54:59
